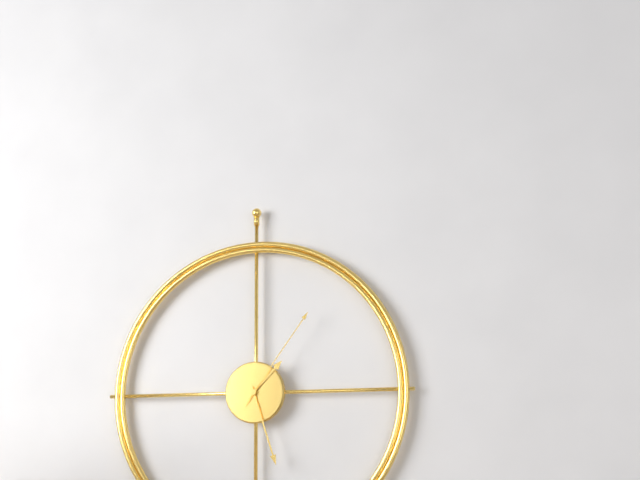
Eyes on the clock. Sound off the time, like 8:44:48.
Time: 1:27:06
